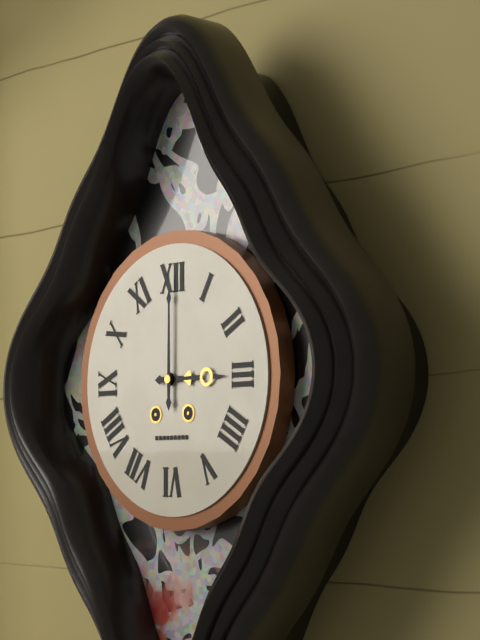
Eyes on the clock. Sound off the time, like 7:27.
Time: 3:00
